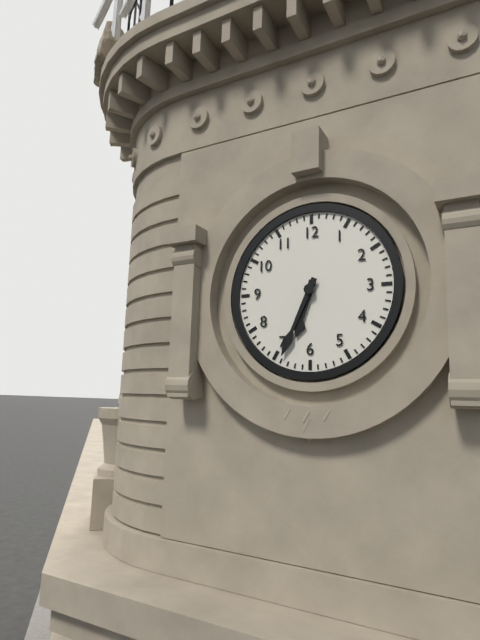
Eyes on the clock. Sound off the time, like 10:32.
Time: 6:34
